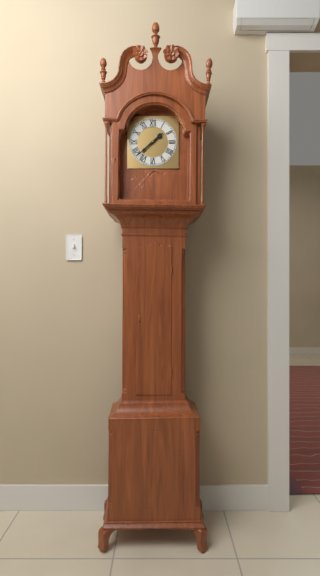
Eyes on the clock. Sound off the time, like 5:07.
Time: 1:38
